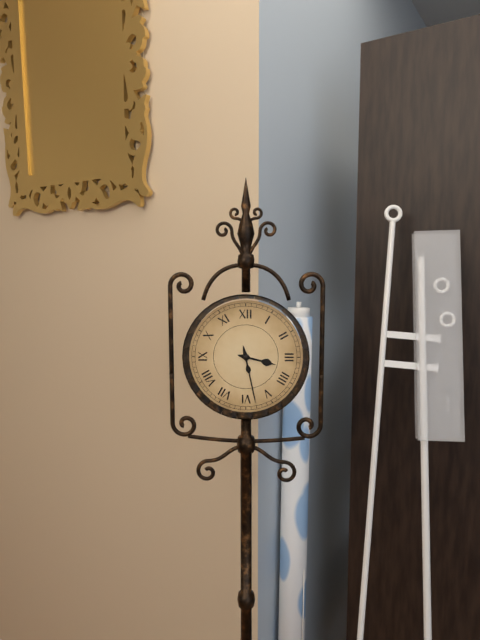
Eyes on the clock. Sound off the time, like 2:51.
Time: 3:28
